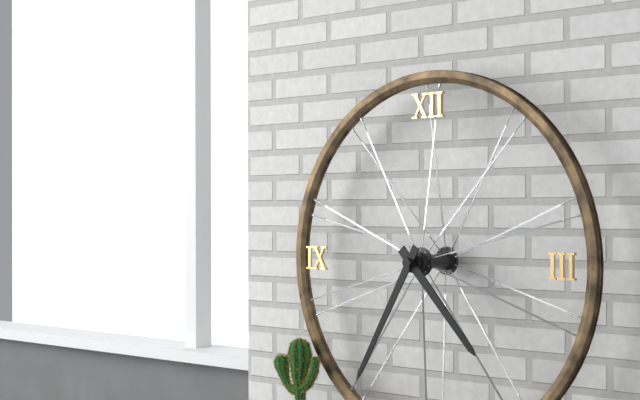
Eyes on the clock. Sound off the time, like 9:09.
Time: 4:35
